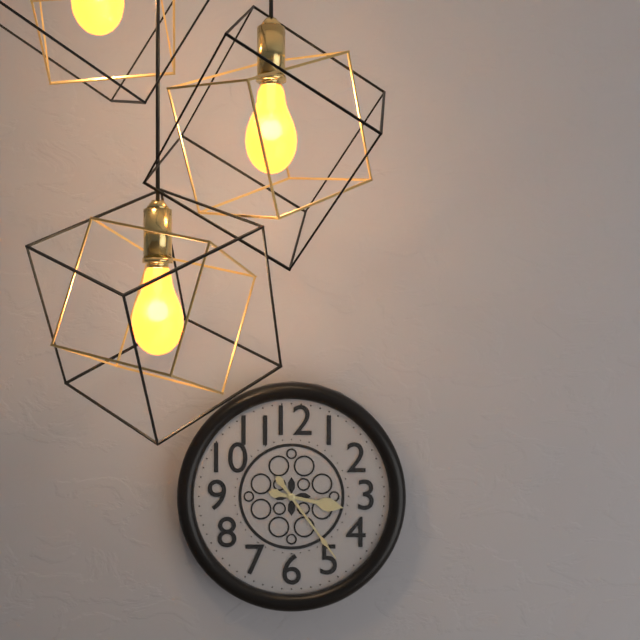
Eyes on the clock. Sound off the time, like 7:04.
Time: 3:24
